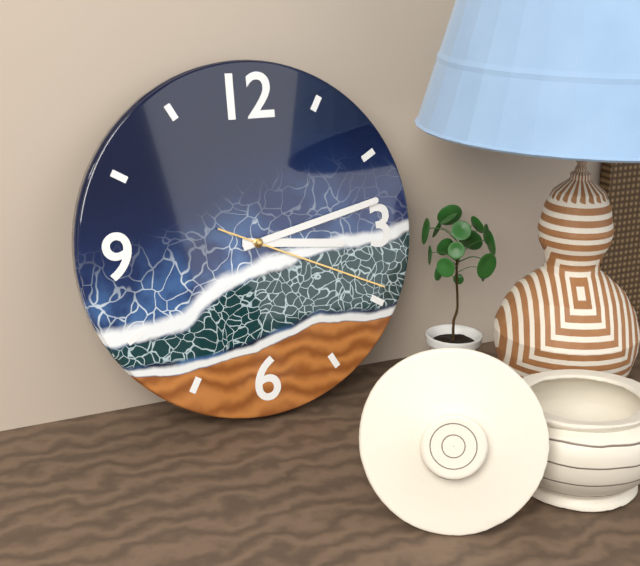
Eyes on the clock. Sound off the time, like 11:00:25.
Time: 3:13:19
